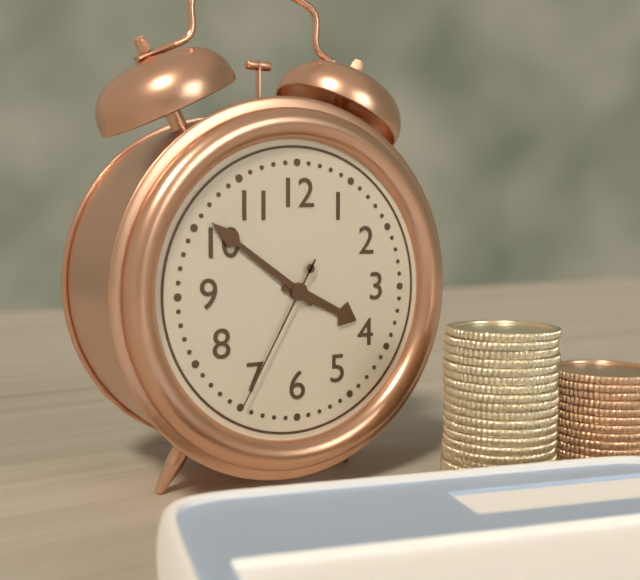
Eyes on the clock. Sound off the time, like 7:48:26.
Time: 3:51:35
